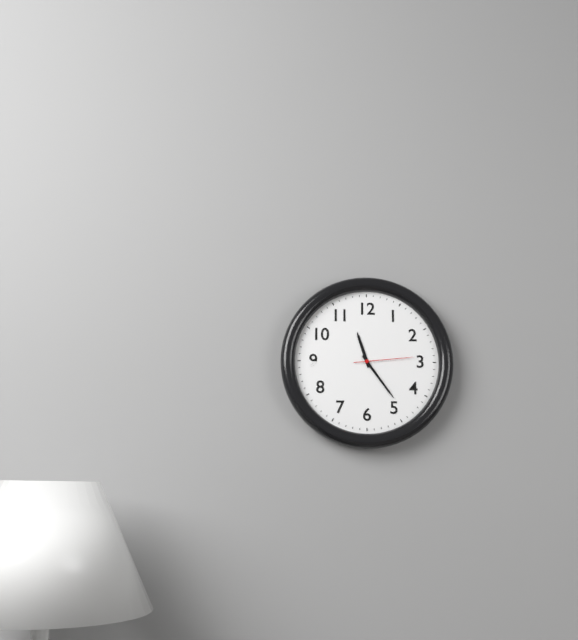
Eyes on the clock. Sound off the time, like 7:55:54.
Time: 11:24:14
